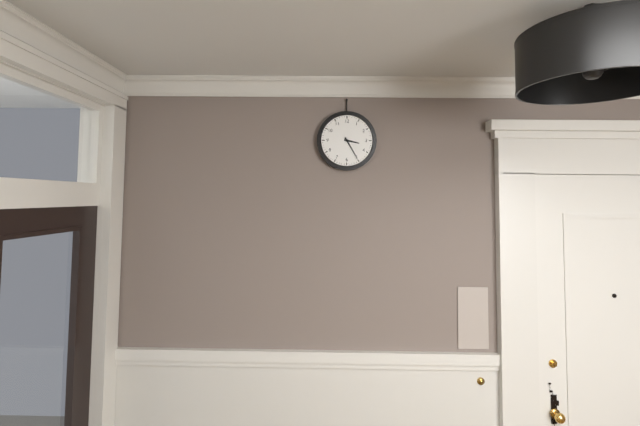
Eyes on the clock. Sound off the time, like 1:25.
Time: 3:25
